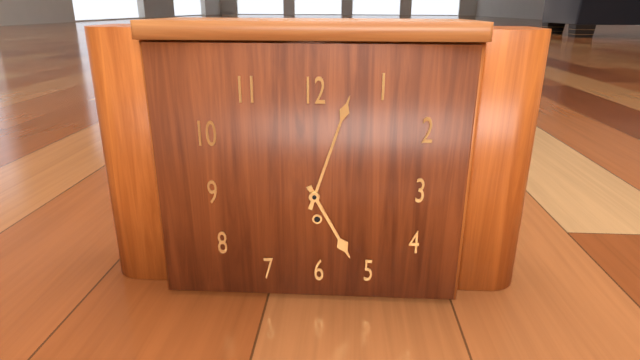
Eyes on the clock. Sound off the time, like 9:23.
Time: 5:03
